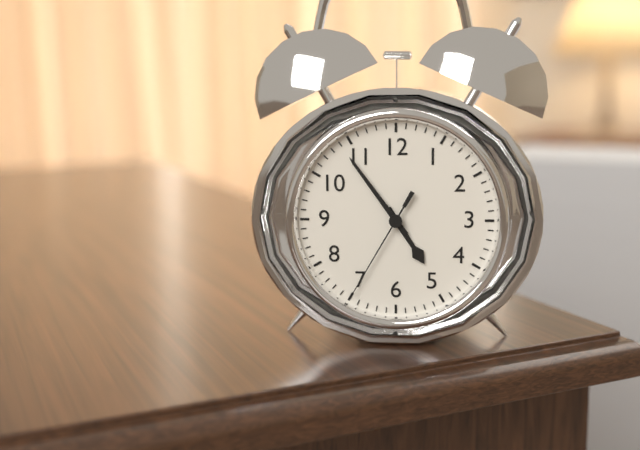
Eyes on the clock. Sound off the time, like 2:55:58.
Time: 4:54:35
